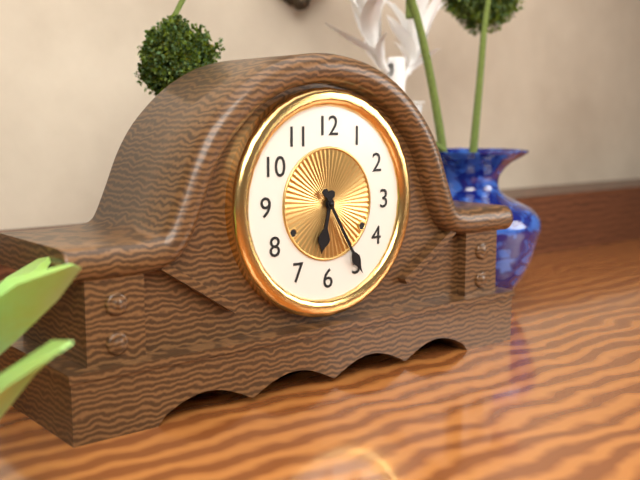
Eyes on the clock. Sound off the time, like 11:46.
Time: 6:25
